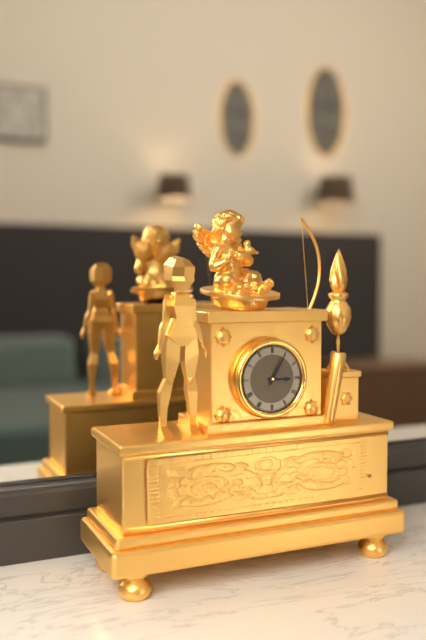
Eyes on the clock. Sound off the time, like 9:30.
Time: 3:05
